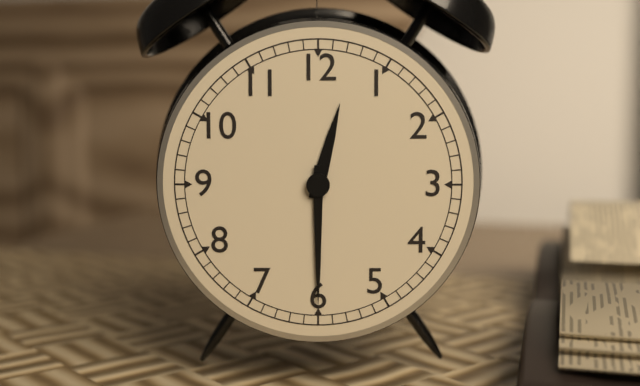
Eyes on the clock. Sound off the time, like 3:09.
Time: 12:30
